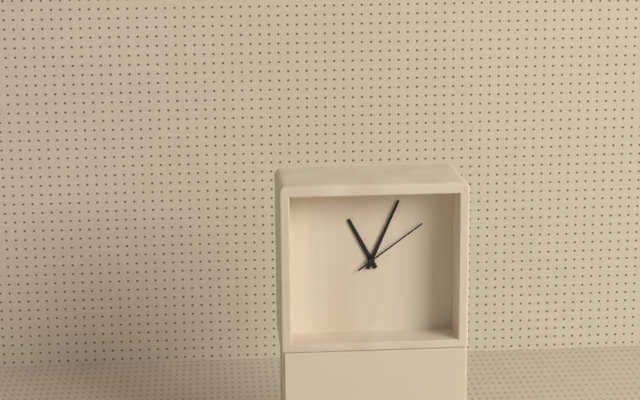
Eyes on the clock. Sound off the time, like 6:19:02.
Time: 11:04:09
